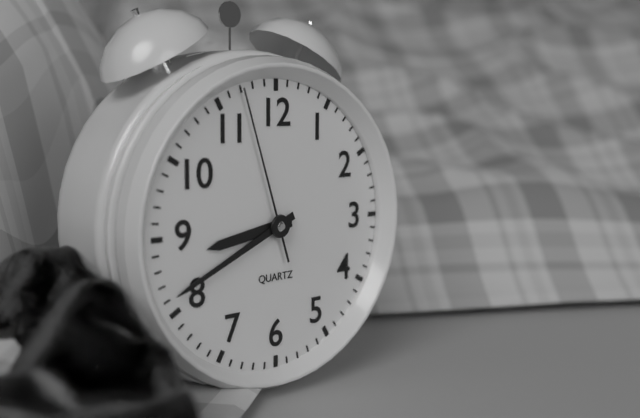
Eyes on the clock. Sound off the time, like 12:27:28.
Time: 8:41:57
